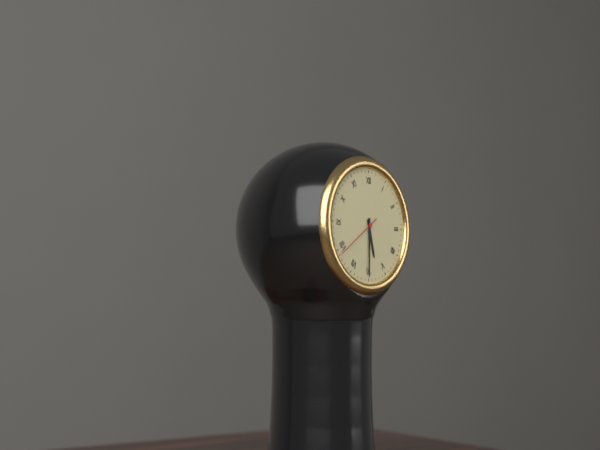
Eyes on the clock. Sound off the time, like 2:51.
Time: 5:30
